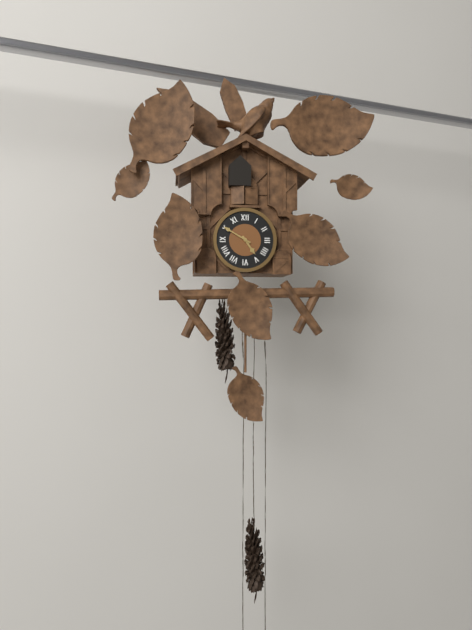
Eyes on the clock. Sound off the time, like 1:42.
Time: 4:50
